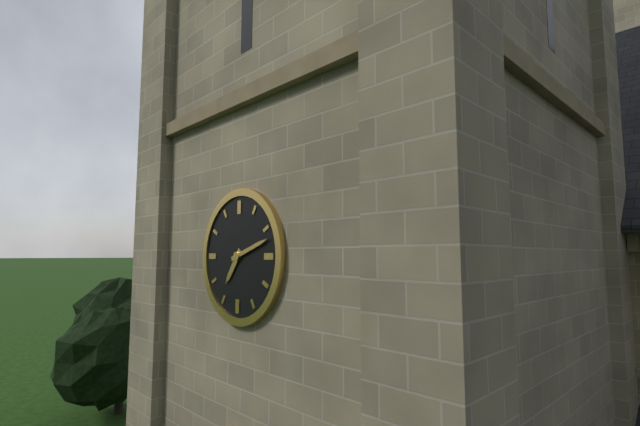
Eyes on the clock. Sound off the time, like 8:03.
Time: 7:12
